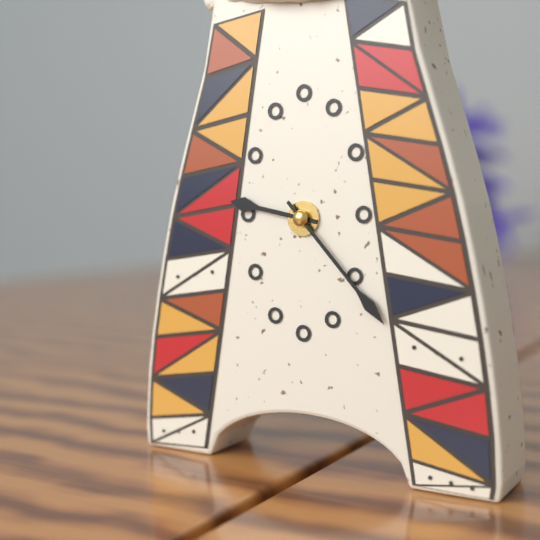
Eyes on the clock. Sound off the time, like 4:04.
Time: 9:23
